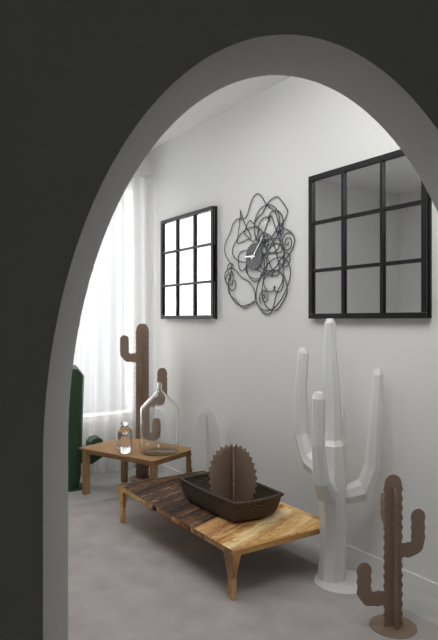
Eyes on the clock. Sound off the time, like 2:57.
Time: 9:07
